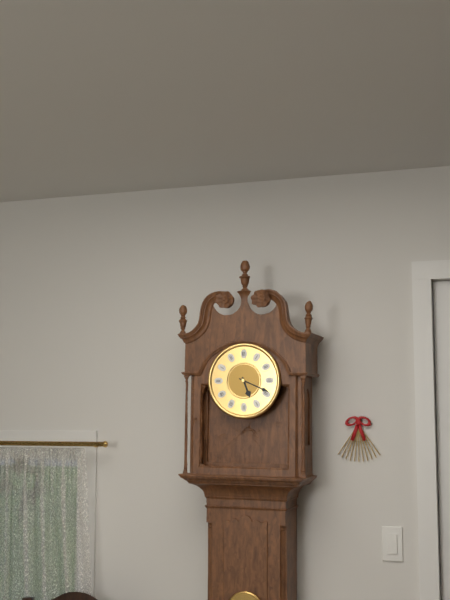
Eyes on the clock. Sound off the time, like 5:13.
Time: 5:19
